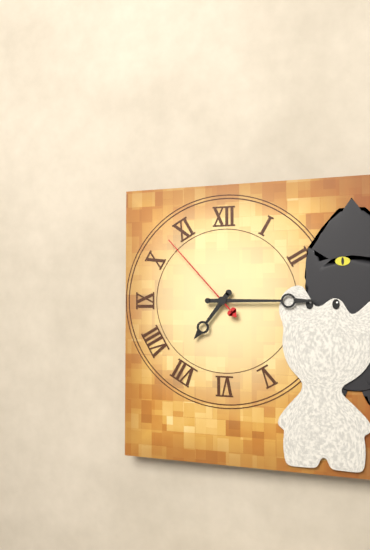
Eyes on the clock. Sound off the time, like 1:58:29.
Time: 7:15:53
